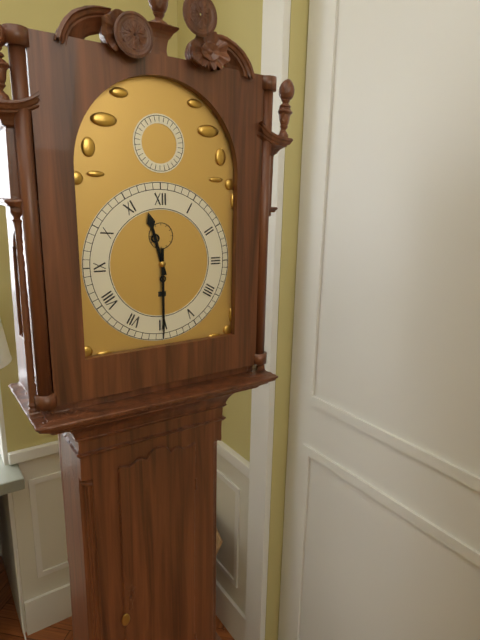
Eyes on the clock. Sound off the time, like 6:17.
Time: 11:30
